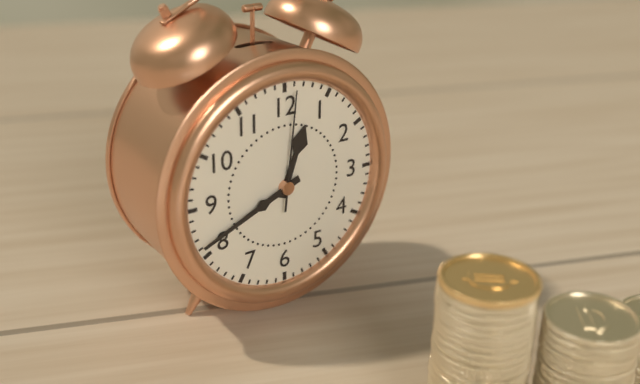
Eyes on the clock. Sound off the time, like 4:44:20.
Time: 12:41:01
